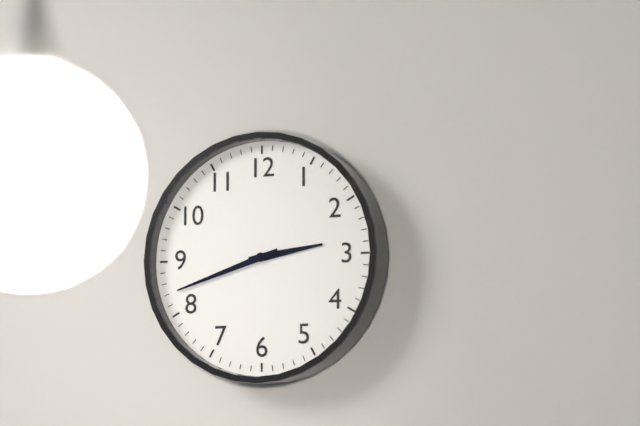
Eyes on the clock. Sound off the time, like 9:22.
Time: 2:42
